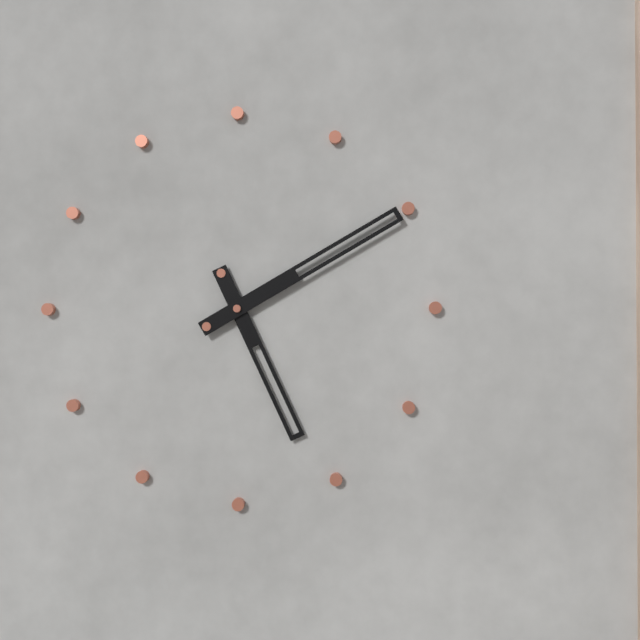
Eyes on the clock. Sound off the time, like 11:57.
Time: 5:10
